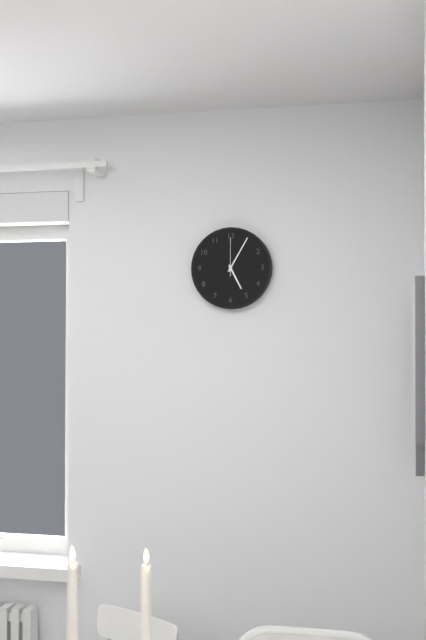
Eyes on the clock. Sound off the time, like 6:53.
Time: 5:05
